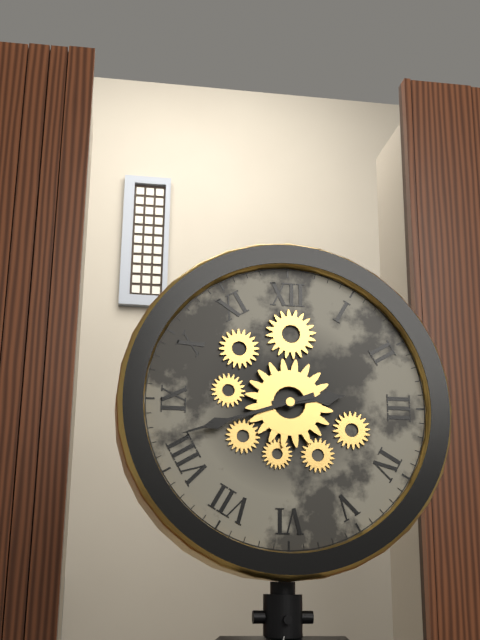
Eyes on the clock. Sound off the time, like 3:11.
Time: 2:42
